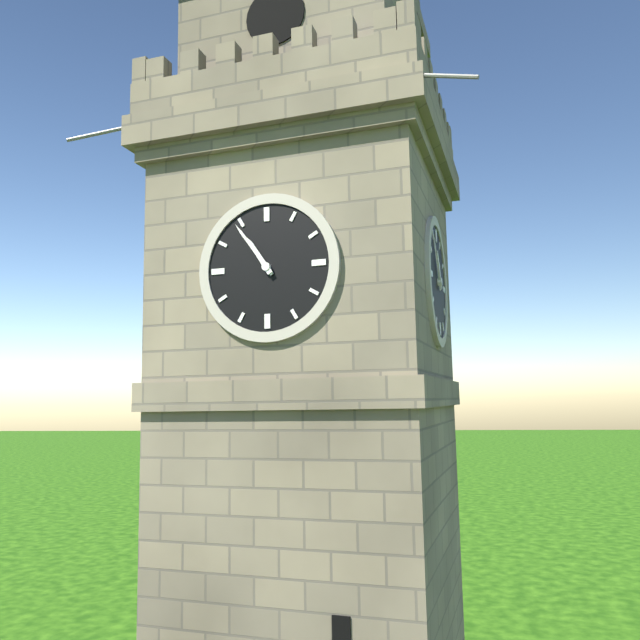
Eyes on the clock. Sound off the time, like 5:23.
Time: 10:54
